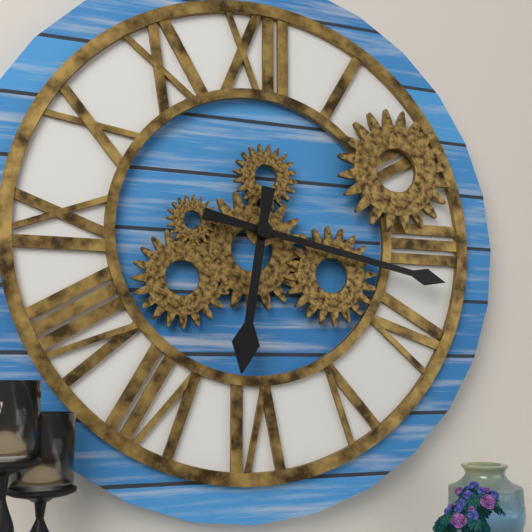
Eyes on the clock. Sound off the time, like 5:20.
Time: 6:17
